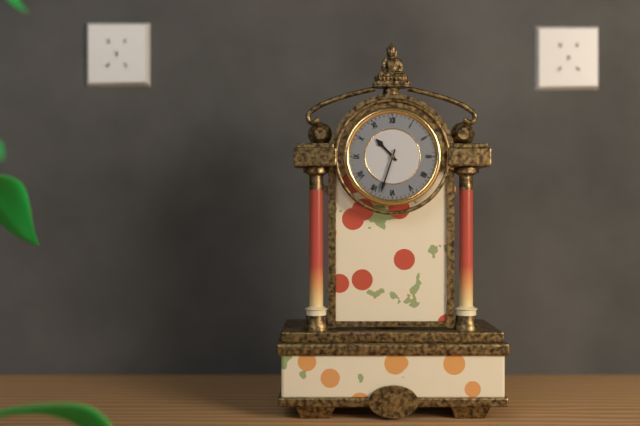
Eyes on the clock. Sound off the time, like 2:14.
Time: 10:33
